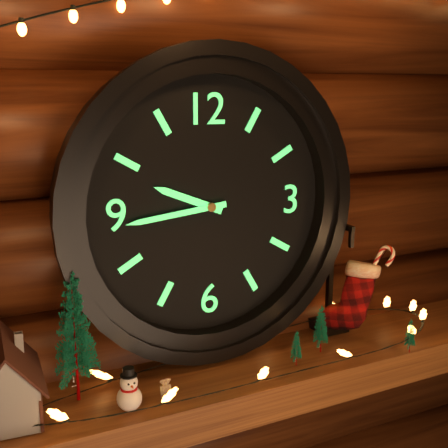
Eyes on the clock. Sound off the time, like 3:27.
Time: 9:44
